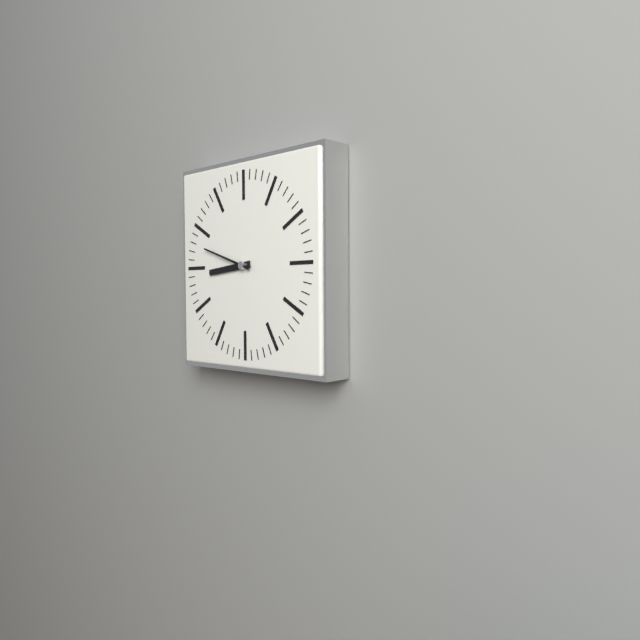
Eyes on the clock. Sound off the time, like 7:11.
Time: 8:48
